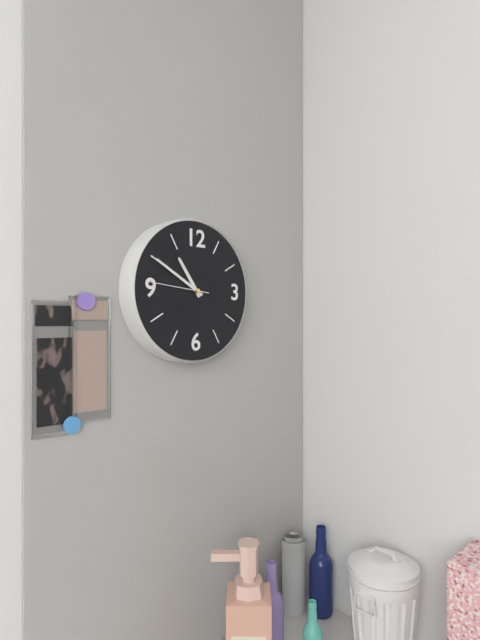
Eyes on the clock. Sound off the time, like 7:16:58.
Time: 10:50:46
